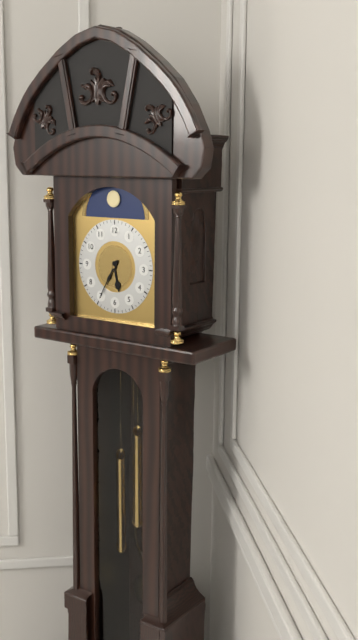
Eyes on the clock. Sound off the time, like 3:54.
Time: 5:35
